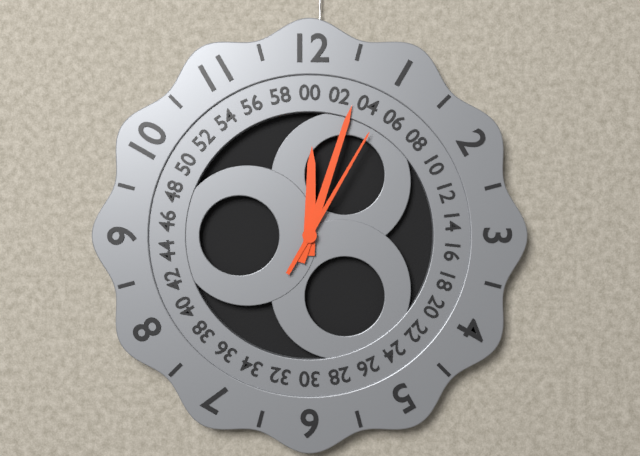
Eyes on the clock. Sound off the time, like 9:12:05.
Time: 12:03:05
